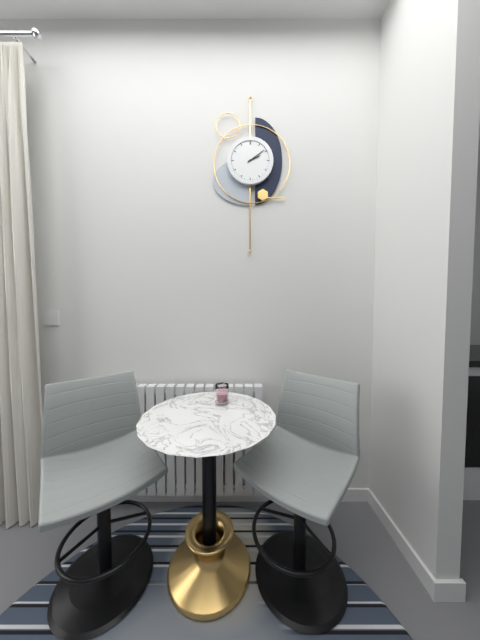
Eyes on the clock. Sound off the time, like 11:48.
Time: 2:09
